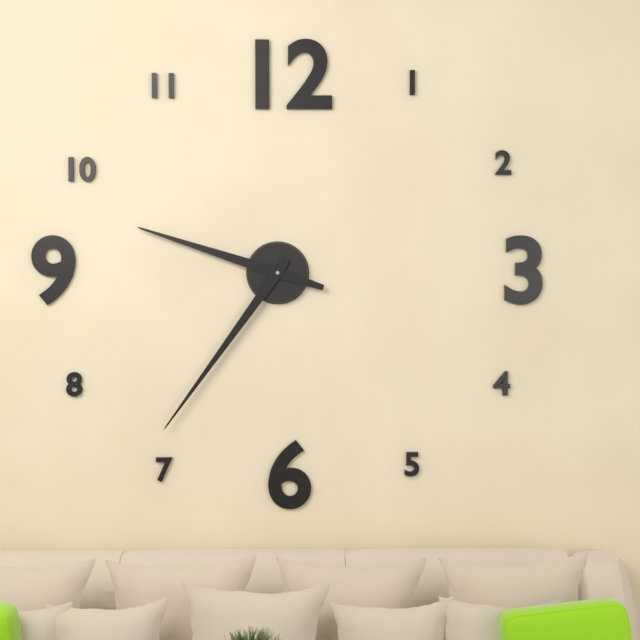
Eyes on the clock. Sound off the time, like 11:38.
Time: 9:36
